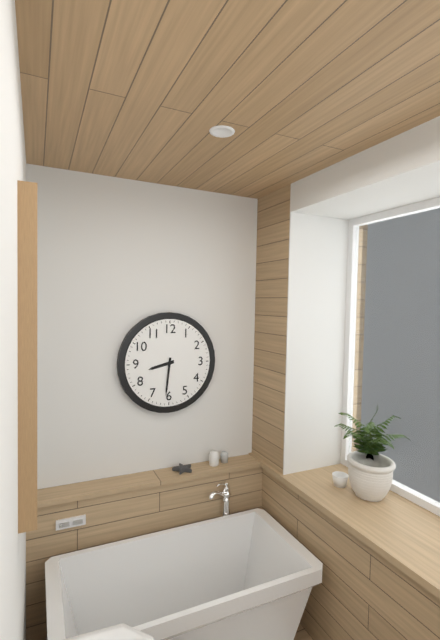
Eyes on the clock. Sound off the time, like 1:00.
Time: 8:31
